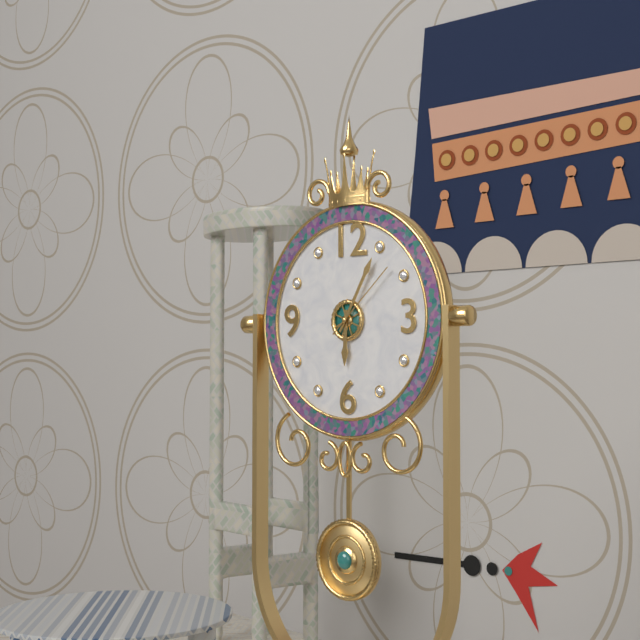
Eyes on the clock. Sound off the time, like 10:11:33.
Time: 6:05:08
